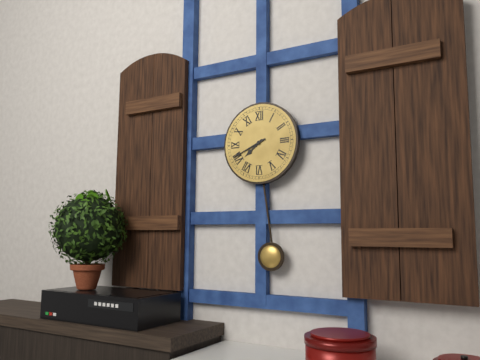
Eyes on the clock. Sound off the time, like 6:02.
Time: 7:41
